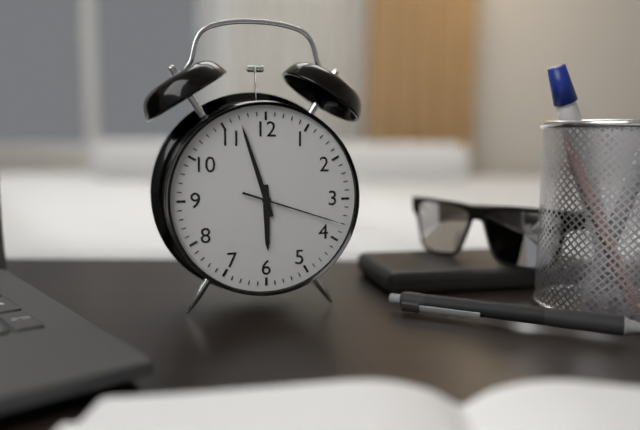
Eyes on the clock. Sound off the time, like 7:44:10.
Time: 5:57:18
